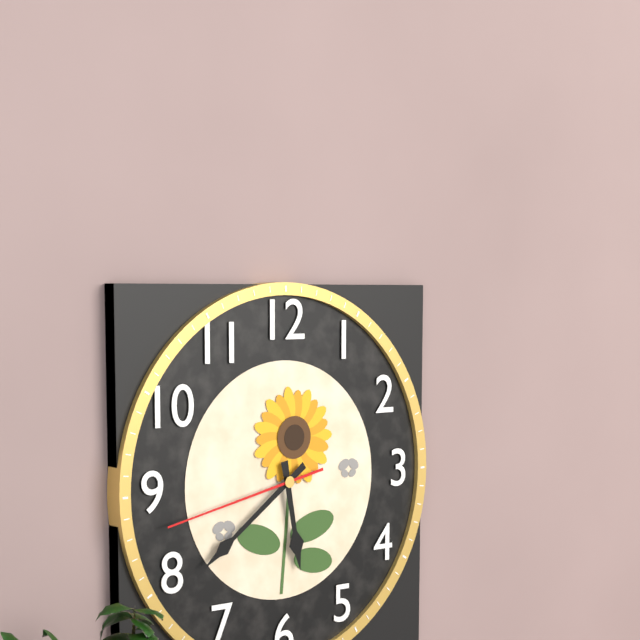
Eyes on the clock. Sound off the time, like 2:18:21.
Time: 5:39:43
